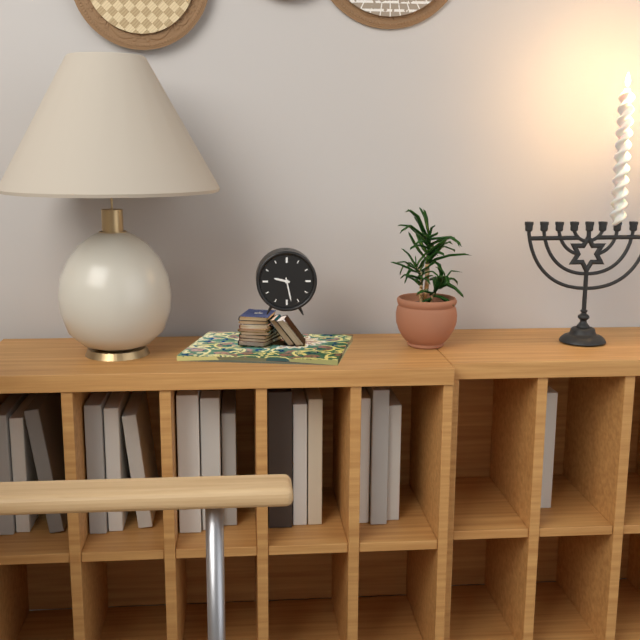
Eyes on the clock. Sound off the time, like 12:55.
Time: 9:28
